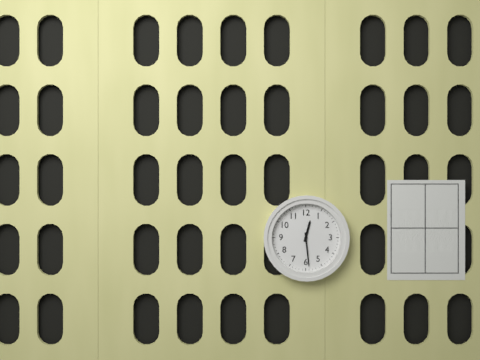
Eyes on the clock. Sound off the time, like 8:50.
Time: 12:29
